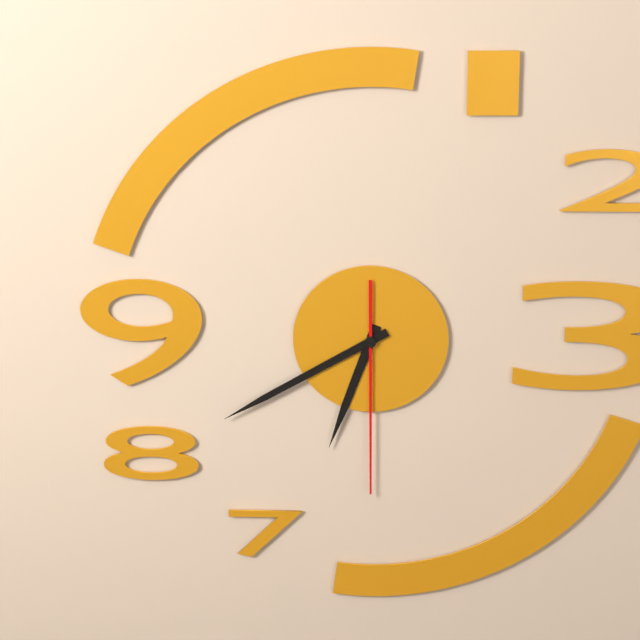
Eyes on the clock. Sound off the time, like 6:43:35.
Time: 6:40:30
